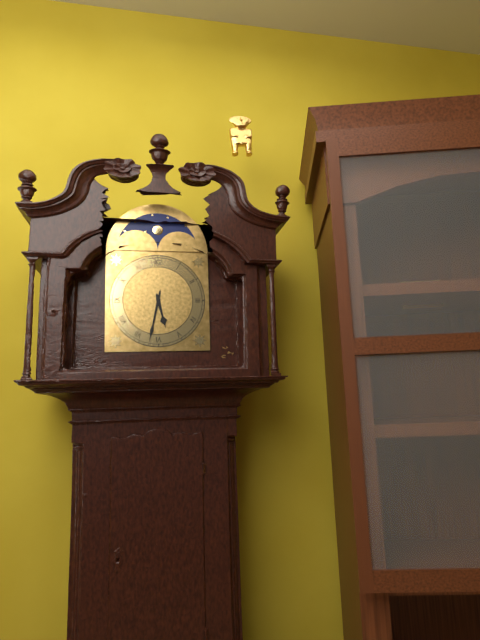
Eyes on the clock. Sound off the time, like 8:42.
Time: 5:32
